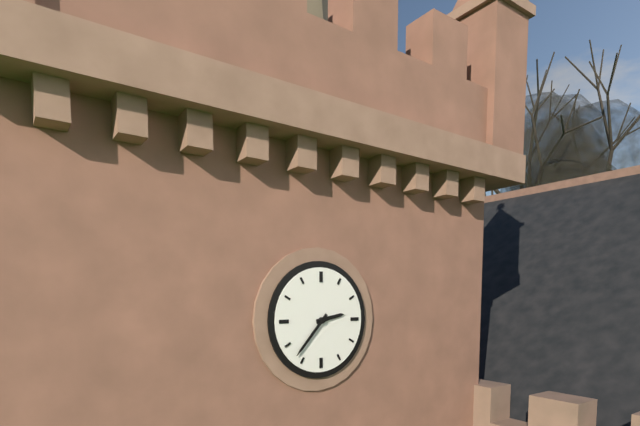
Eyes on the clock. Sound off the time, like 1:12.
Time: 2:37
